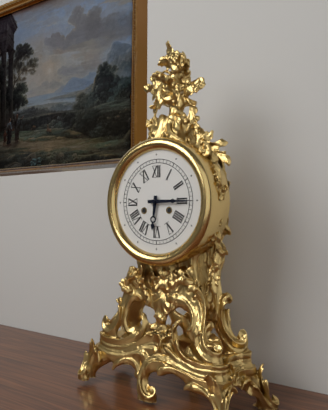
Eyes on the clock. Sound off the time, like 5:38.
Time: 6:15
